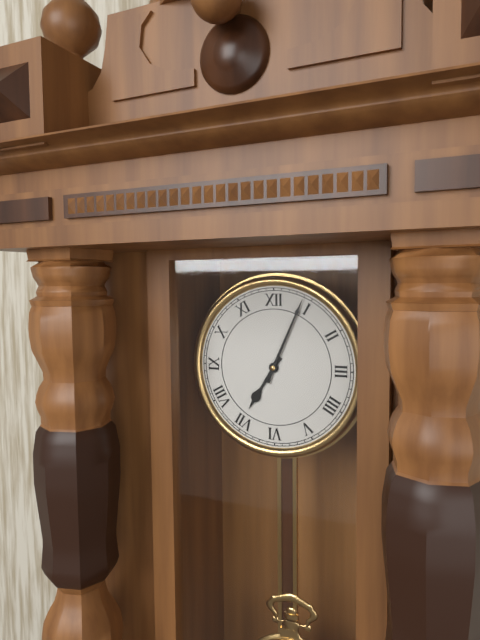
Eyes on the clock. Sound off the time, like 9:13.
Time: 7:04
